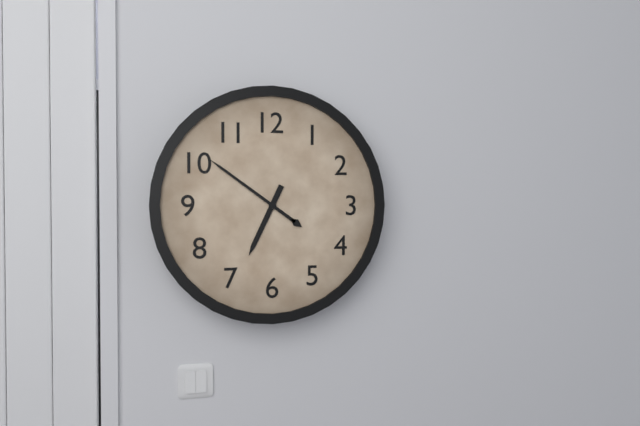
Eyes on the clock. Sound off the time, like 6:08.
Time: 6:51
